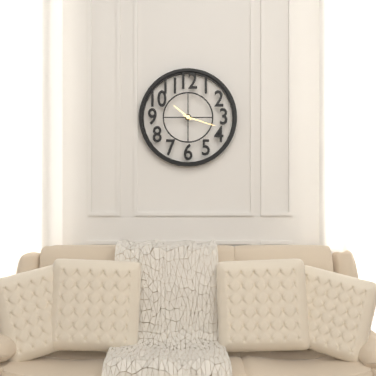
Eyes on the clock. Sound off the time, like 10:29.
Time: 10:18
